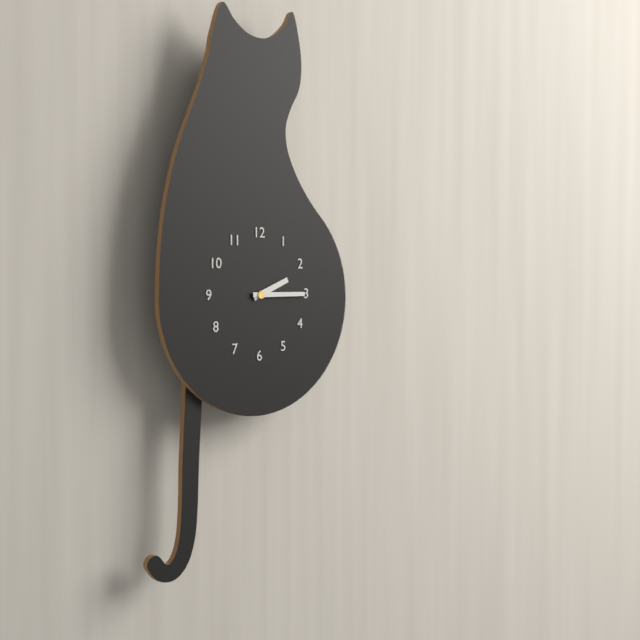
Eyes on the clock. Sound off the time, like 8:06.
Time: 2:15
